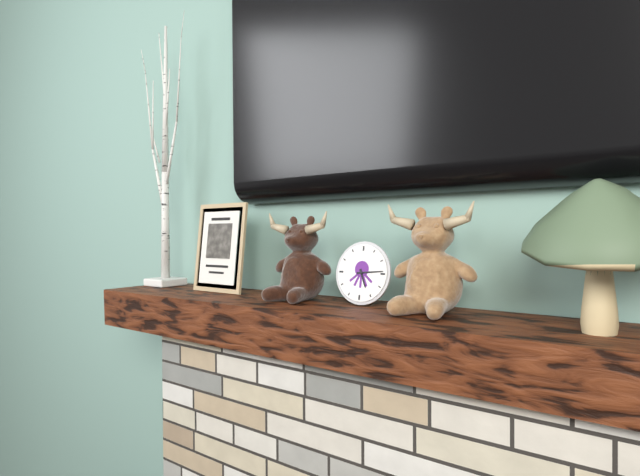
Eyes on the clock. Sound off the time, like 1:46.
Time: 5:14
